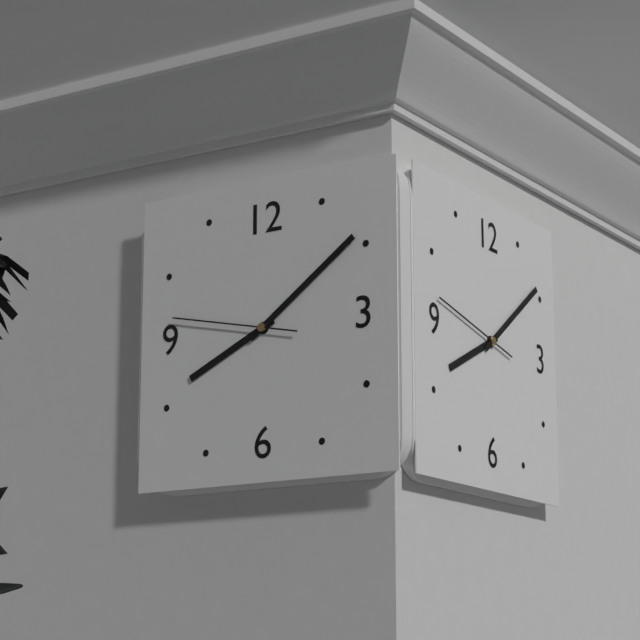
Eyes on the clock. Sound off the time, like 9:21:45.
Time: 8:09:47
